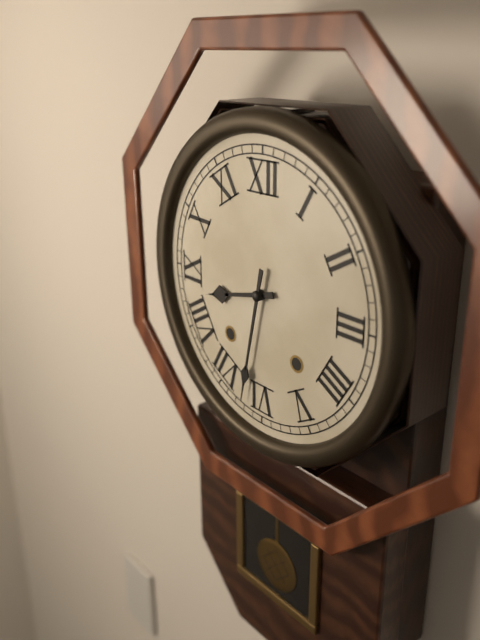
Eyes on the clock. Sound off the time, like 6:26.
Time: 8:32
